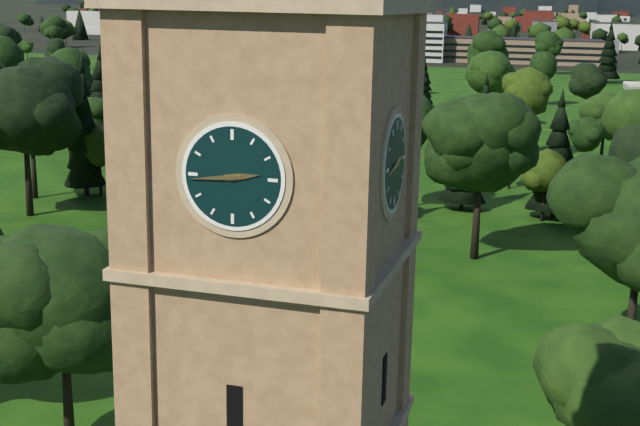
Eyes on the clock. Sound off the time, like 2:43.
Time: 2:44
